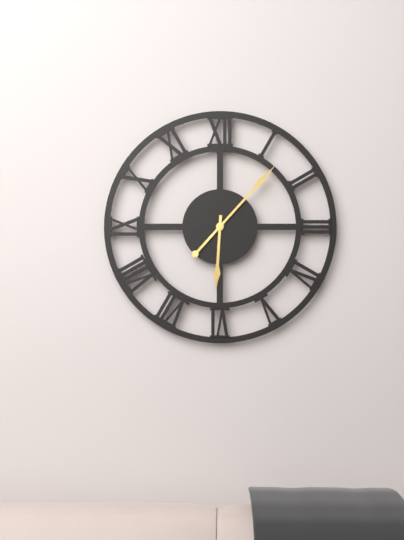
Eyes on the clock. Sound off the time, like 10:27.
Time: 6:07
